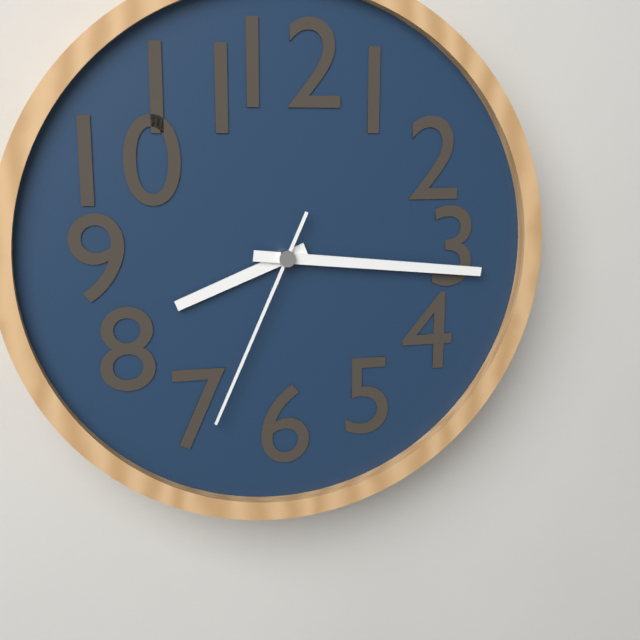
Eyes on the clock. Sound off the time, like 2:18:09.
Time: 8:16:34
